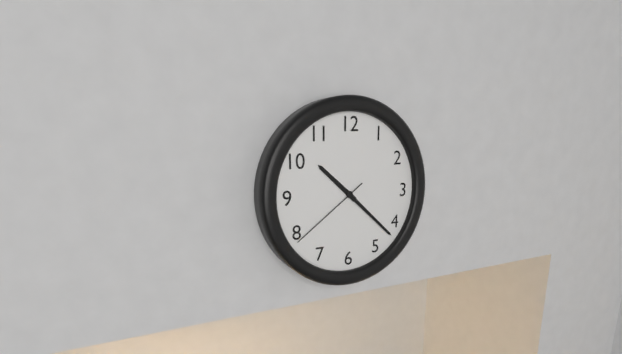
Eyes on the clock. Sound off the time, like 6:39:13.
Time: 10:22:39
